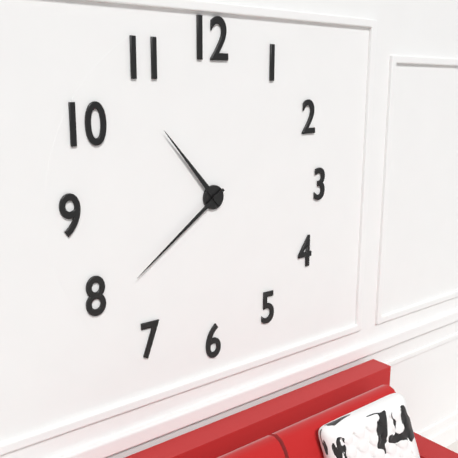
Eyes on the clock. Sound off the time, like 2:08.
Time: 10:39
